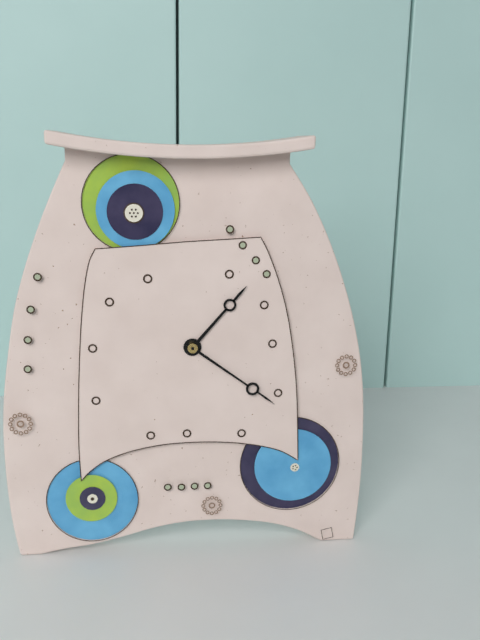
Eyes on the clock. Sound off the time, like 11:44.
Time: 1:21
